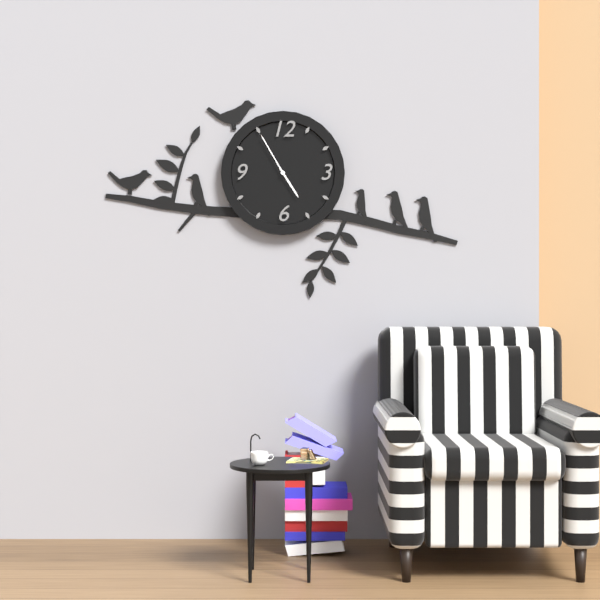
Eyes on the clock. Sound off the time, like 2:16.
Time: 4:55
